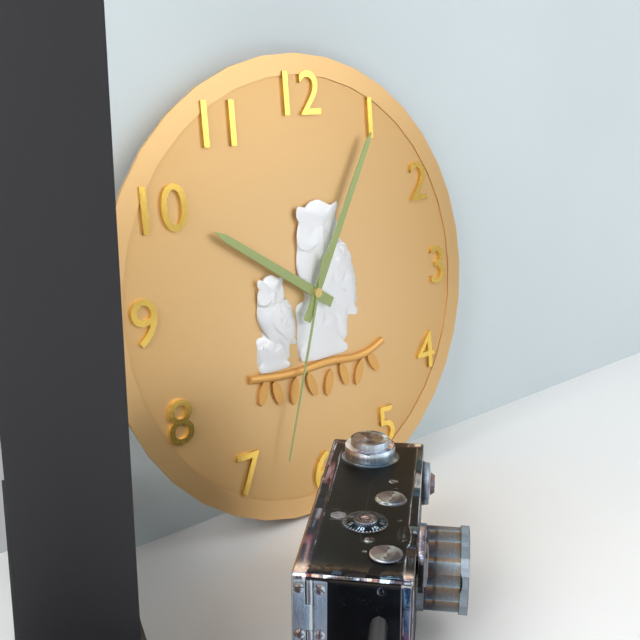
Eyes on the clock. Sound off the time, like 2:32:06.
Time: 10:05:33
